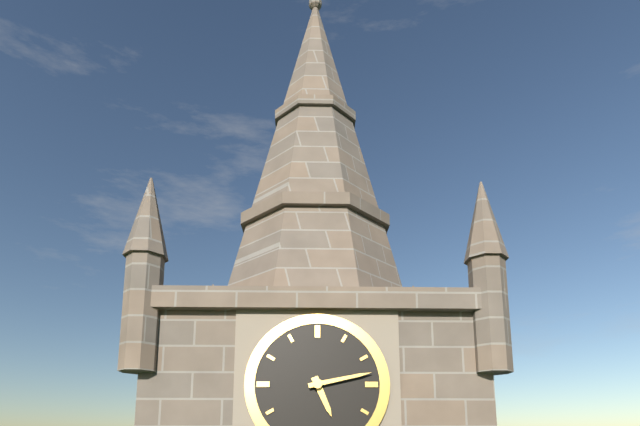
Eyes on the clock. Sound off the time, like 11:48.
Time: 5:13
